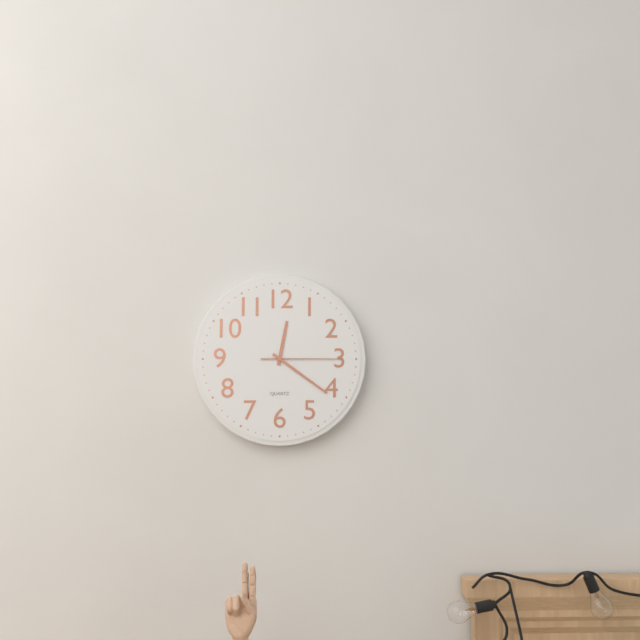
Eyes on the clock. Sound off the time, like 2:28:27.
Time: 12:21:15
